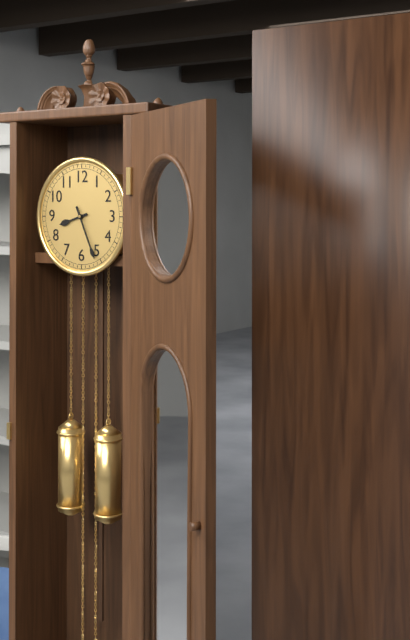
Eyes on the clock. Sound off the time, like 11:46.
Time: 8:26
